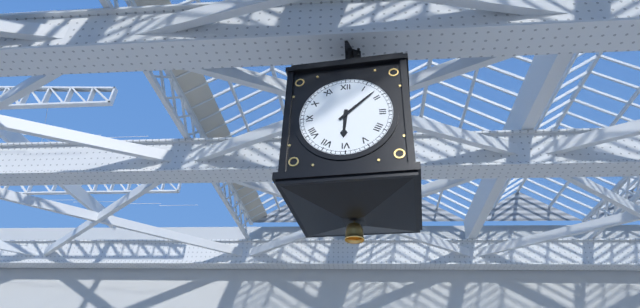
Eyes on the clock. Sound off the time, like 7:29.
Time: 6:08
